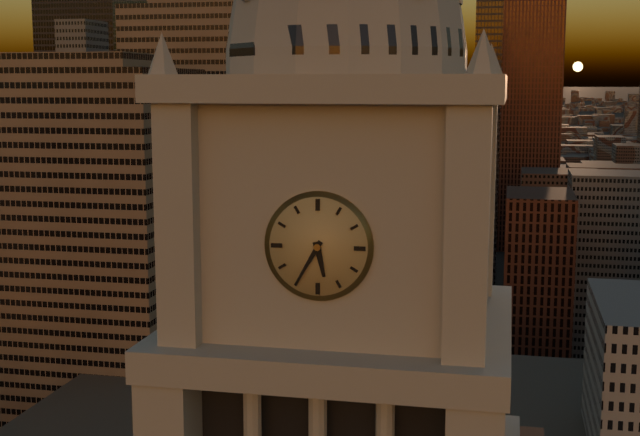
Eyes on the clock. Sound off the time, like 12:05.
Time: 5:35
